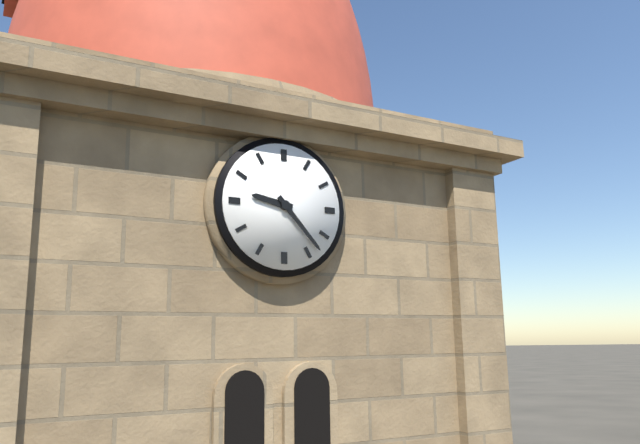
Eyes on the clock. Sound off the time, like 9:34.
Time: 9:23
